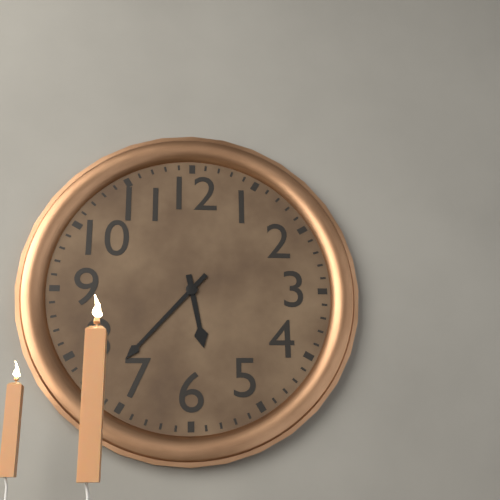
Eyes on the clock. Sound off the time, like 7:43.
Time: 5:37
